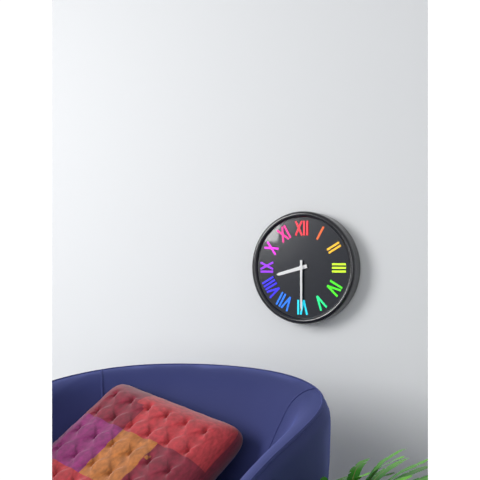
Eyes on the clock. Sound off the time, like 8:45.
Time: 8:30
